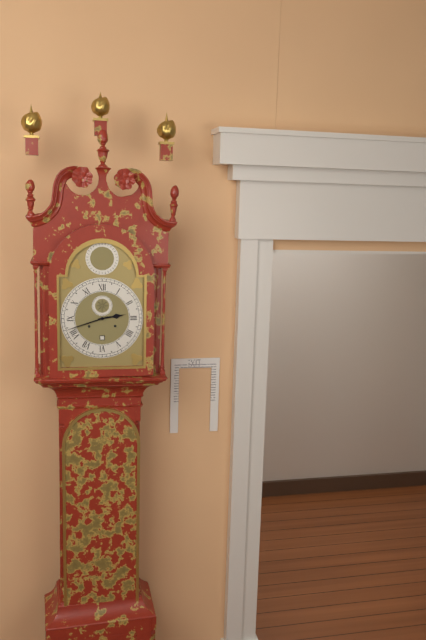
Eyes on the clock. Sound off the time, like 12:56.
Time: 2:42
